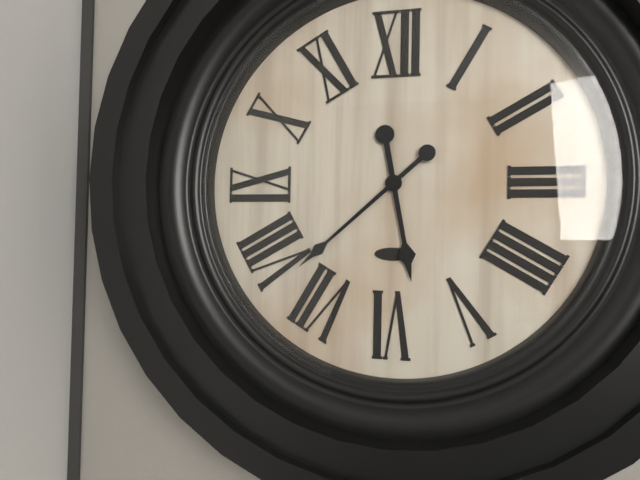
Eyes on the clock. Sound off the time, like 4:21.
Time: 5:38
